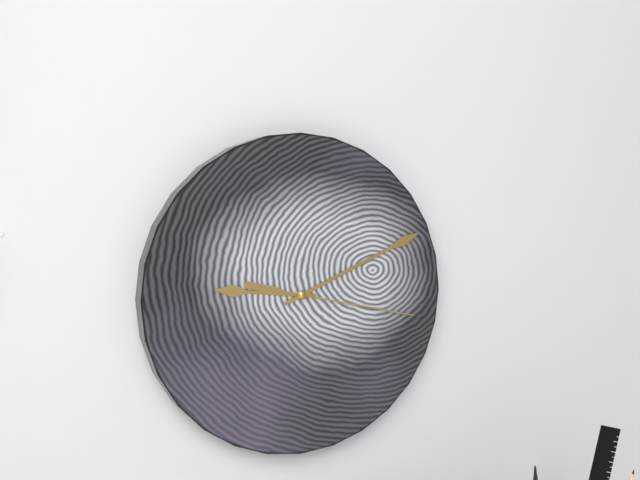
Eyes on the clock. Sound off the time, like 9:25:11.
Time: 9:11:17
